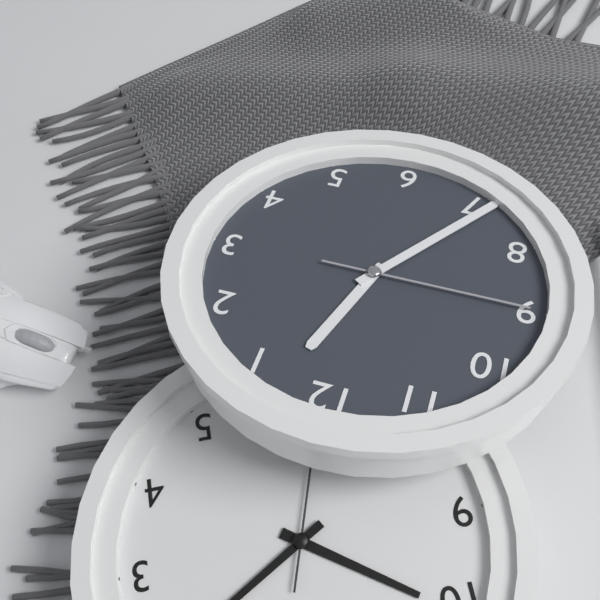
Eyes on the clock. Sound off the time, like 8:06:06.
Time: 12:36:45
